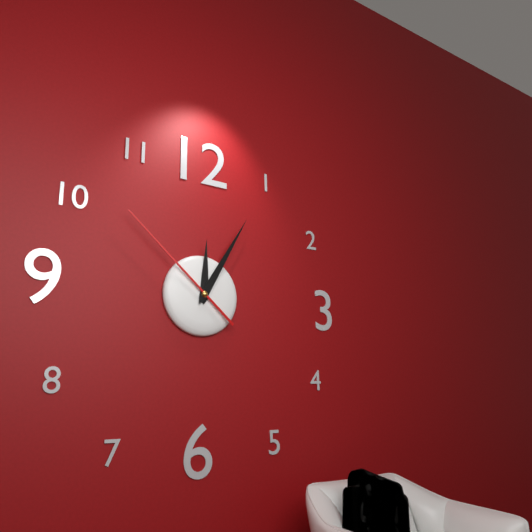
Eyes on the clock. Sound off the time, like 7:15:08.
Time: 12:05:52
